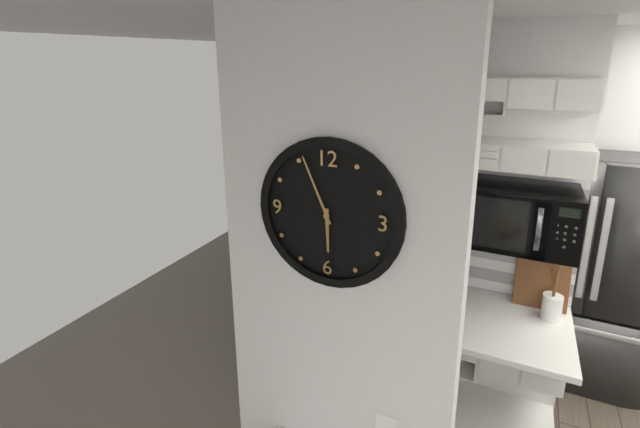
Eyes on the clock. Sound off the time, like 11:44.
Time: 5:56
